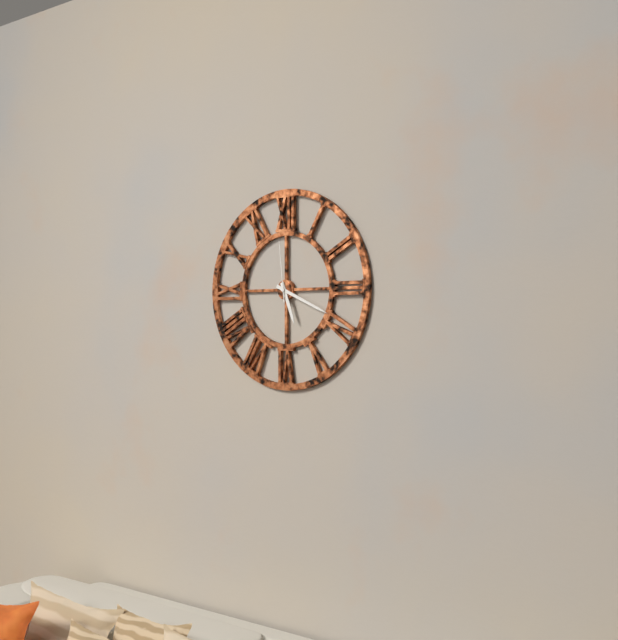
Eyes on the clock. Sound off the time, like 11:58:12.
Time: 5:19:59
